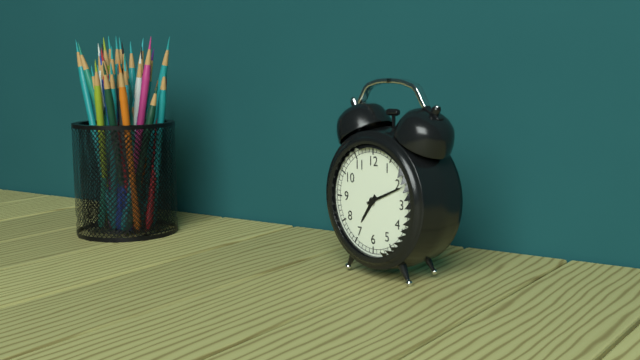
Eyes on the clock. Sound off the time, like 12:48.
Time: 7:11
